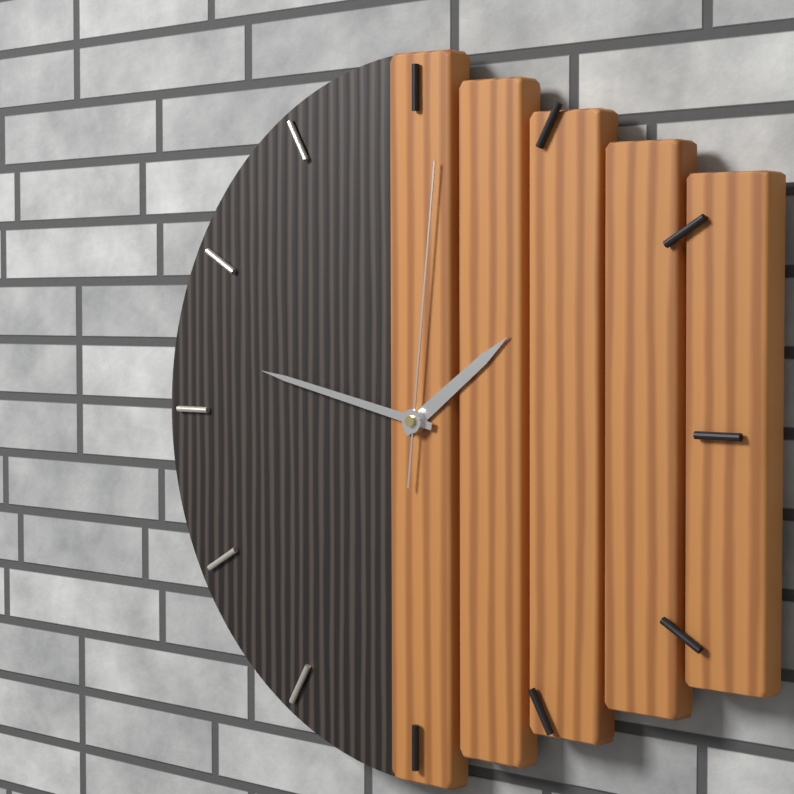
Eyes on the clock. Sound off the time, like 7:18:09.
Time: 1:47:01
